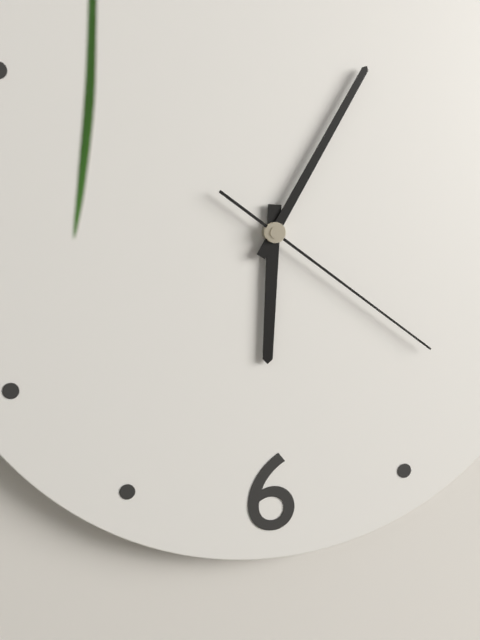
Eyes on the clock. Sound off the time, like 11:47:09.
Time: 6:05:21
